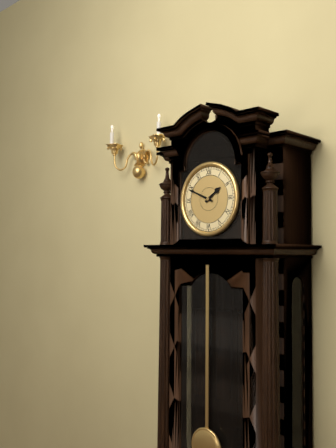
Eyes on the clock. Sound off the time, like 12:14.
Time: 1:49
